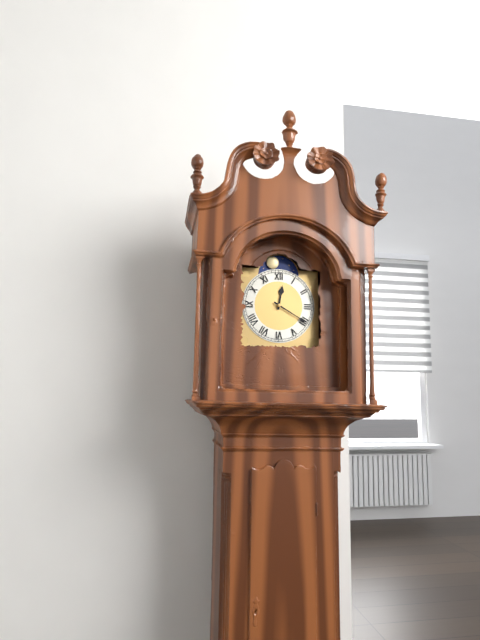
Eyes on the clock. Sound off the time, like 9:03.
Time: 12:20
